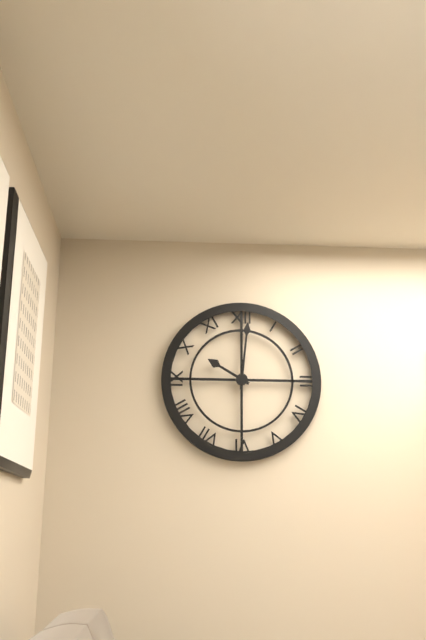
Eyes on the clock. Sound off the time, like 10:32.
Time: 10:01
